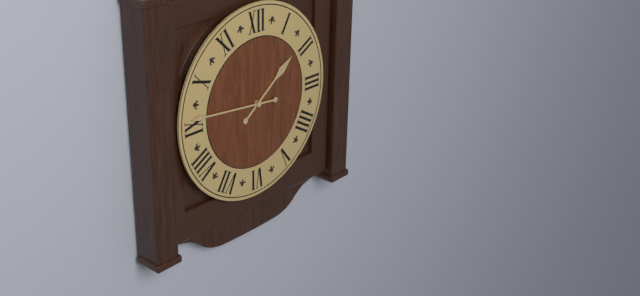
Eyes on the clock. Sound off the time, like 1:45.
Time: 1:46
